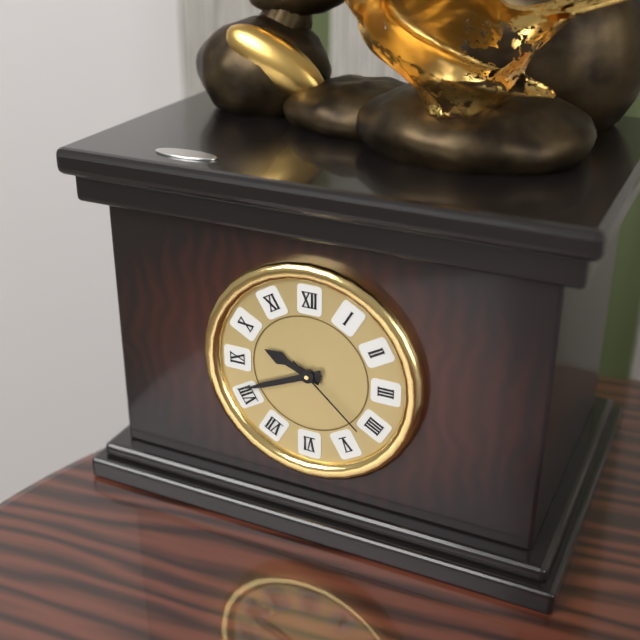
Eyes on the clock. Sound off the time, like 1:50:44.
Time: 9:41:22
